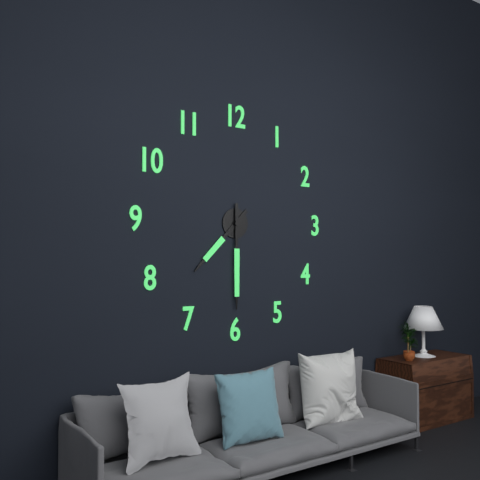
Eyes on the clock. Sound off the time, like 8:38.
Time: 7:30
